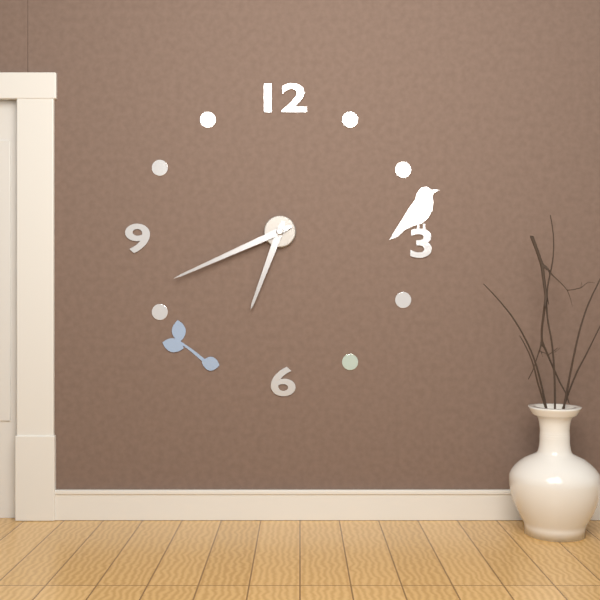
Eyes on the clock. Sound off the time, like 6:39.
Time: 6:41
